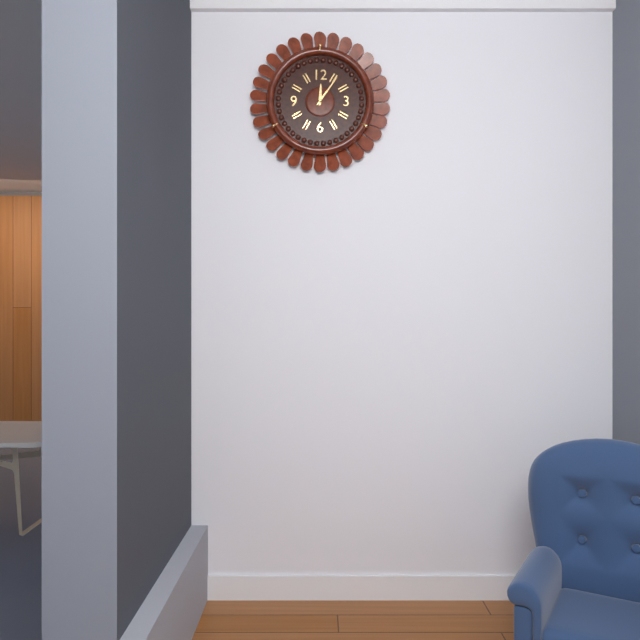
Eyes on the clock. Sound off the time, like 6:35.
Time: 12:06
